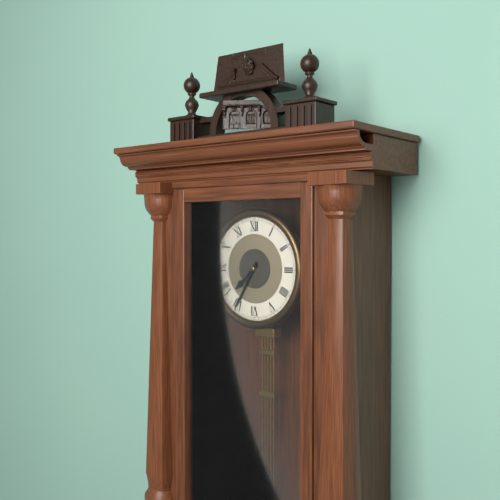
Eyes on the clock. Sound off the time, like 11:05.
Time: 7:35
